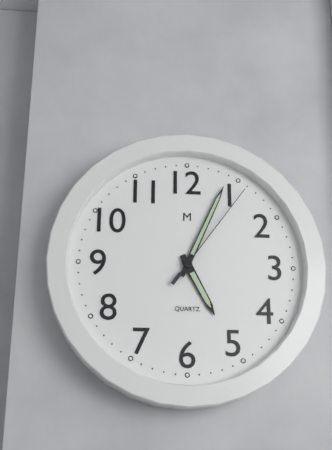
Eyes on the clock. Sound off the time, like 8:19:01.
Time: 5:04:06
